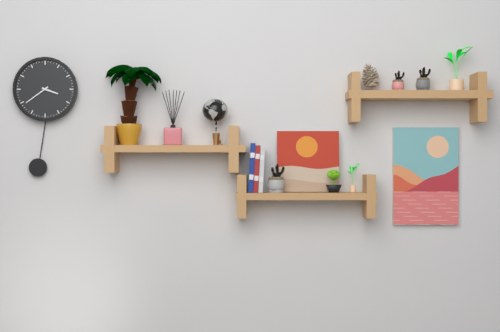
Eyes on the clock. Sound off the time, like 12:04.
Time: 3:39
